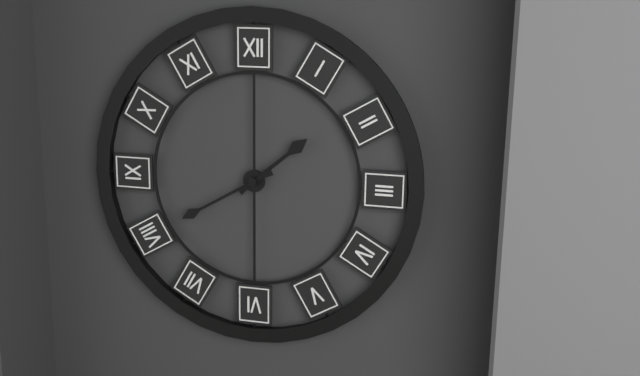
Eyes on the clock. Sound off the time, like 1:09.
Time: 1:40
